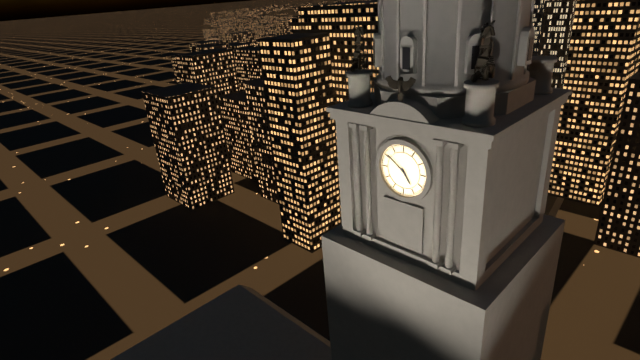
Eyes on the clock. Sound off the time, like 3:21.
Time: 4:51
